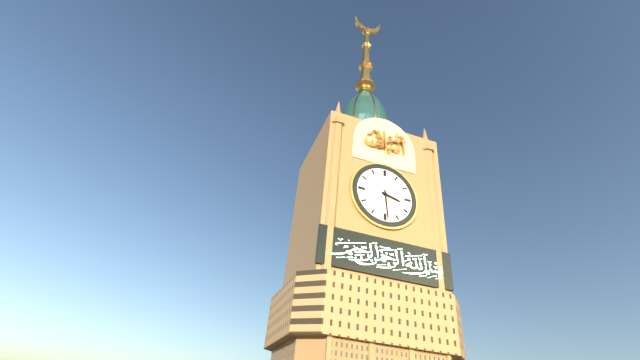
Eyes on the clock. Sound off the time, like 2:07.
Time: 3:29
